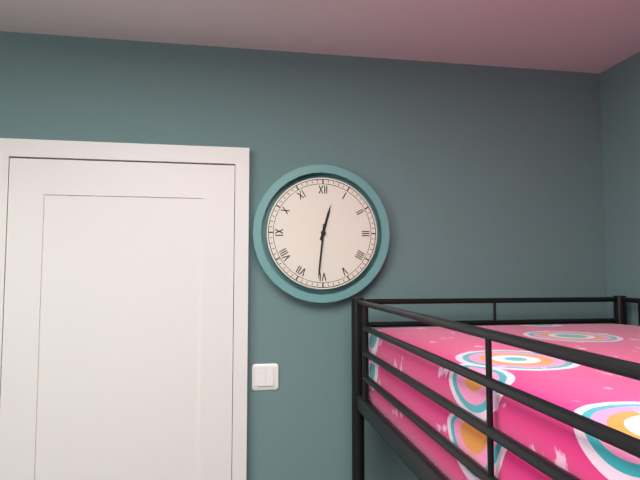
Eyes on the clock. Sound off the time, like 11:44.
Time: 12:31
